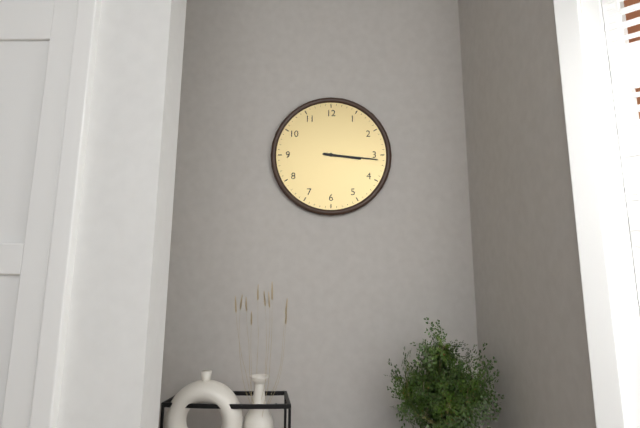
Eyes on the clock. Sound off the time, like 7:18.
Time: 3:16
